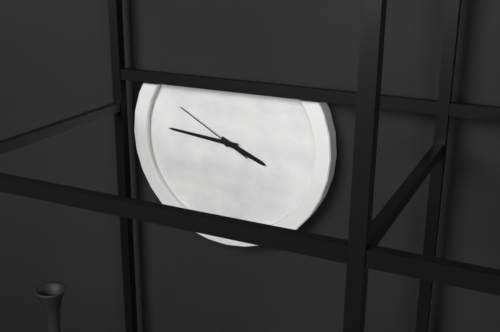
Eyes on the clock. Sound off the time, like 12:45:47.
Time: 3:46:50
